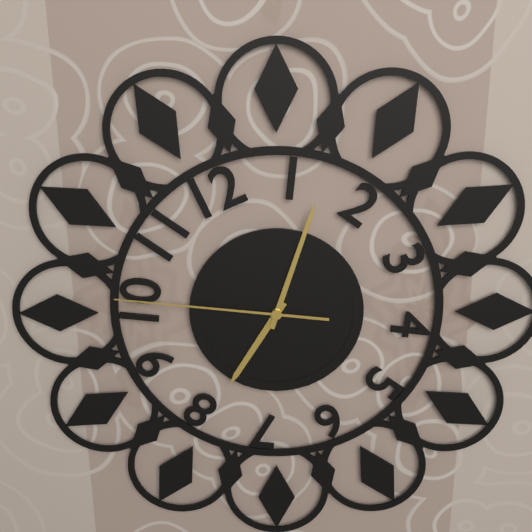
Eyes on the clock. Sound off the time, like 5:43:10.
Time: 7:03:46
